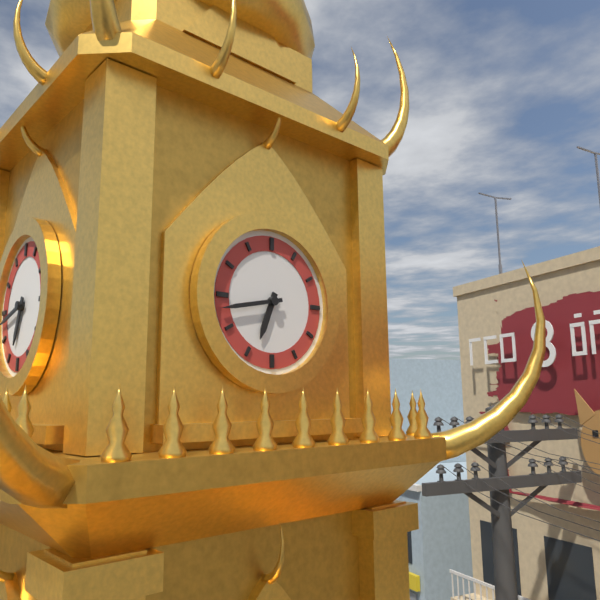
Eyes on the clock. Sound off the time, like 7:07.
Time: 6:43
